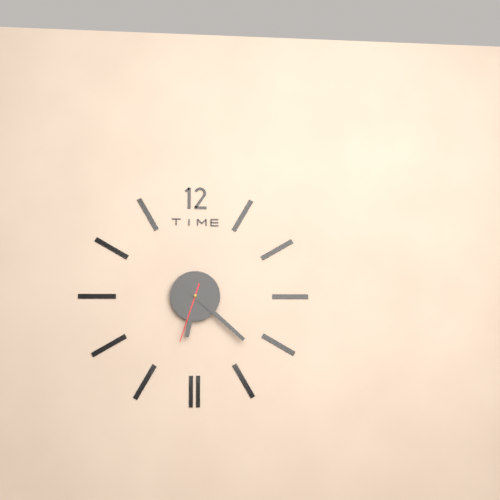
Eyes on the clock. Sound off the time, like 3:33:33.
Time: 6:22:33
